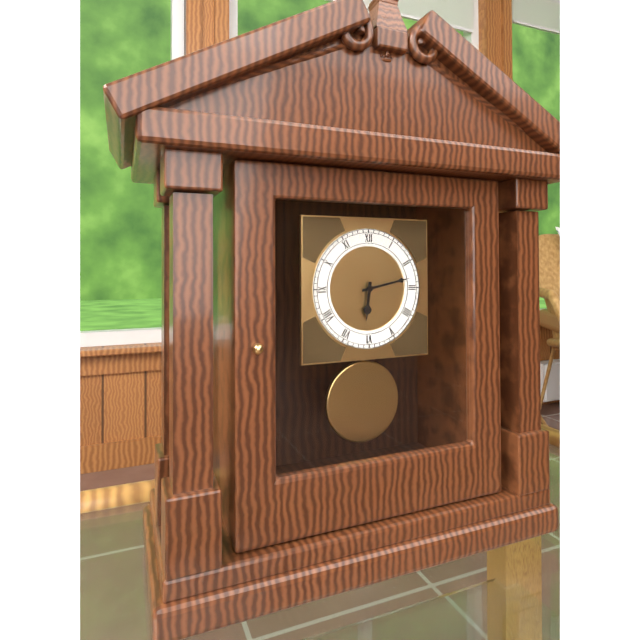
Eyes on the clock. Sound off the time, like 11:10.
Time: 6:13
